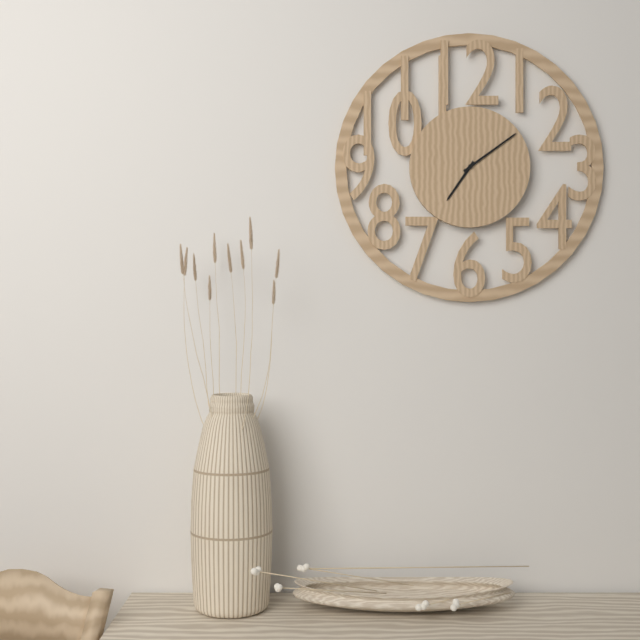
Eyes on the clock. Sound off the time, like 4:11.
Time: 7:09
